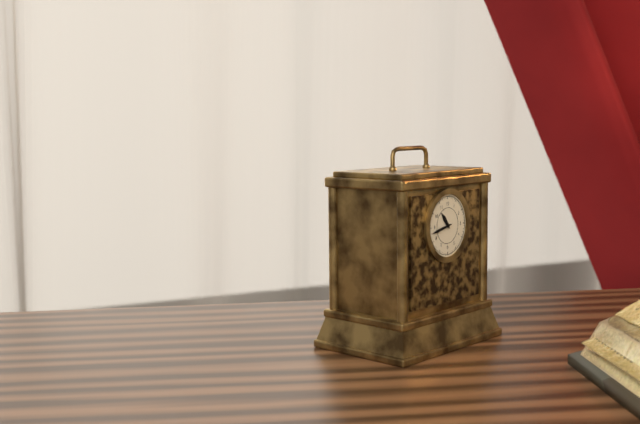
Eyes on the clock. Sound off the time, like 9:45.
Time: 10:43
